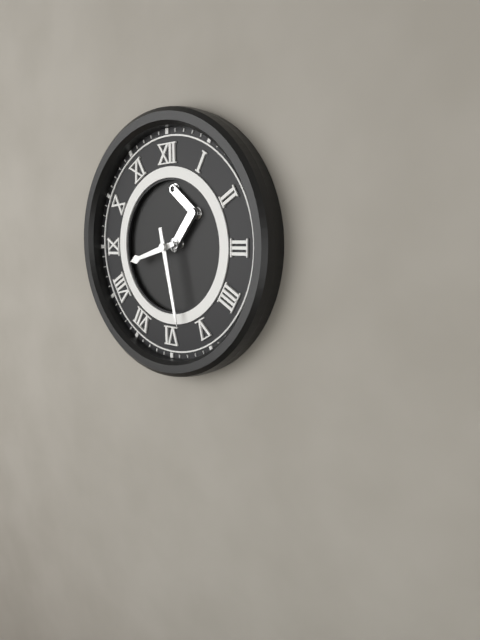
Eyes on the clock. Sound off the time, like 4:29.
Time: 8:28
